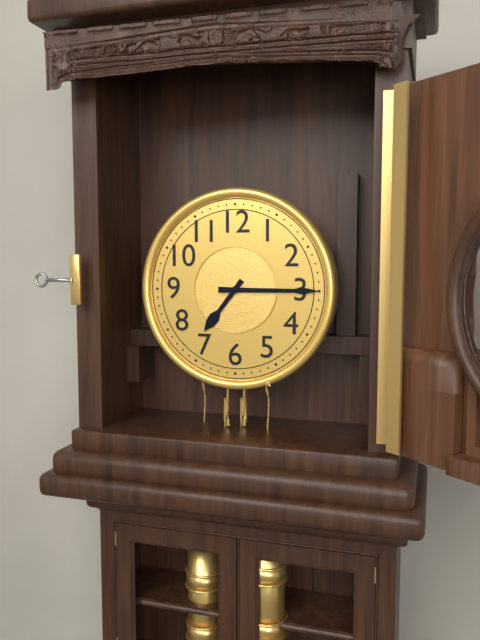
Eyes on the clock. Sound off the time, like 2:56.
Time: 7:15
